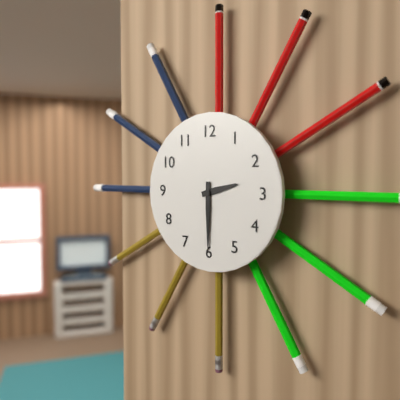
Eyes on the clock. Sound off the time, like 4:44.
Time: 2:30
